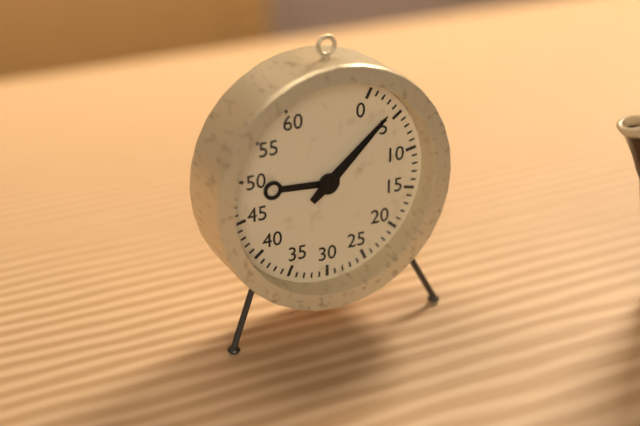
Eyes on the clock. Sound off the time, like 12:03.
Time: 9:08
